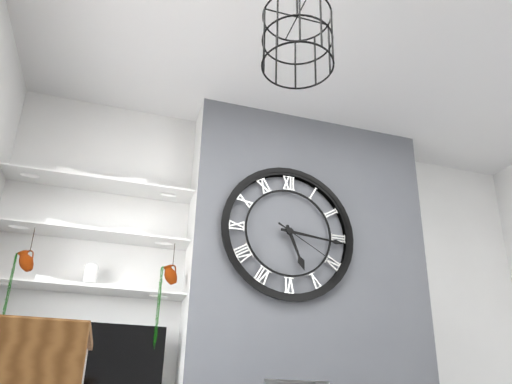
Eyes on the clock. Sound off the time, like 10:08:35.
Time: 5:16:20
